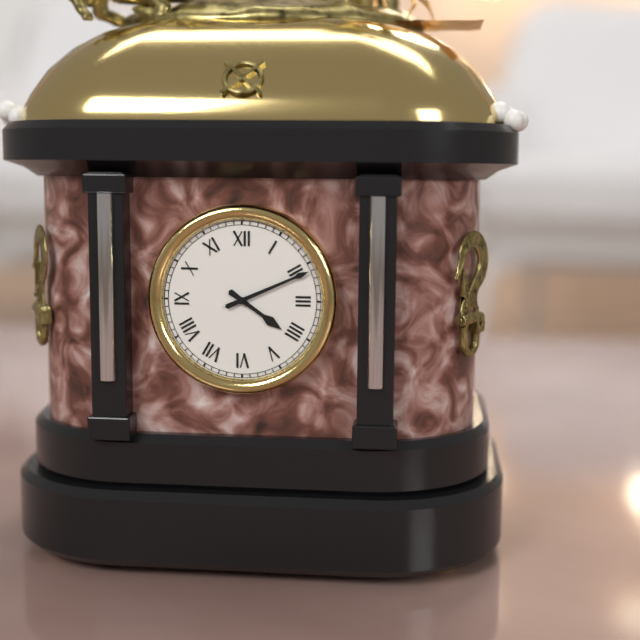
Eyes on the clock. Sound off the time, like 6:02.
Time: 4:11
